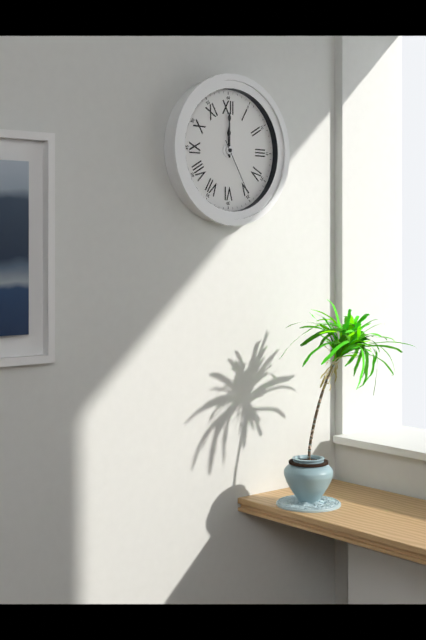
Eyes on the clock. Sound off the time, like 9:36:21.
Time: 12:00:25
